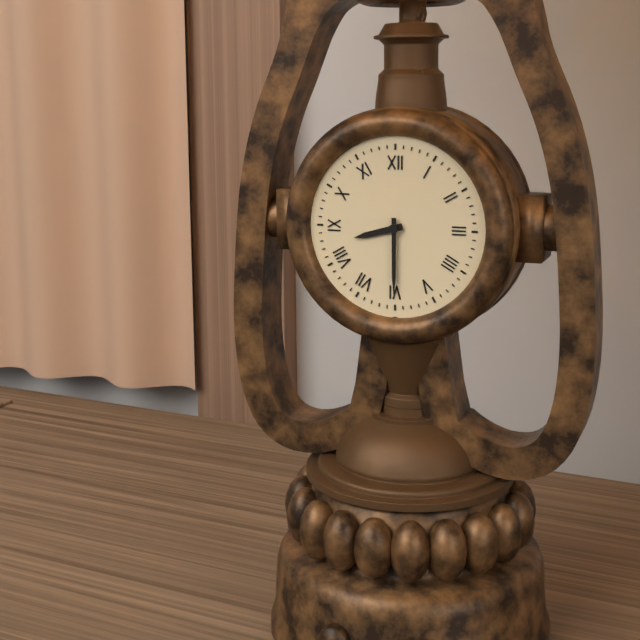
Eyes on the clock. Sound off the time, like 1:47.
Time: 8:30
